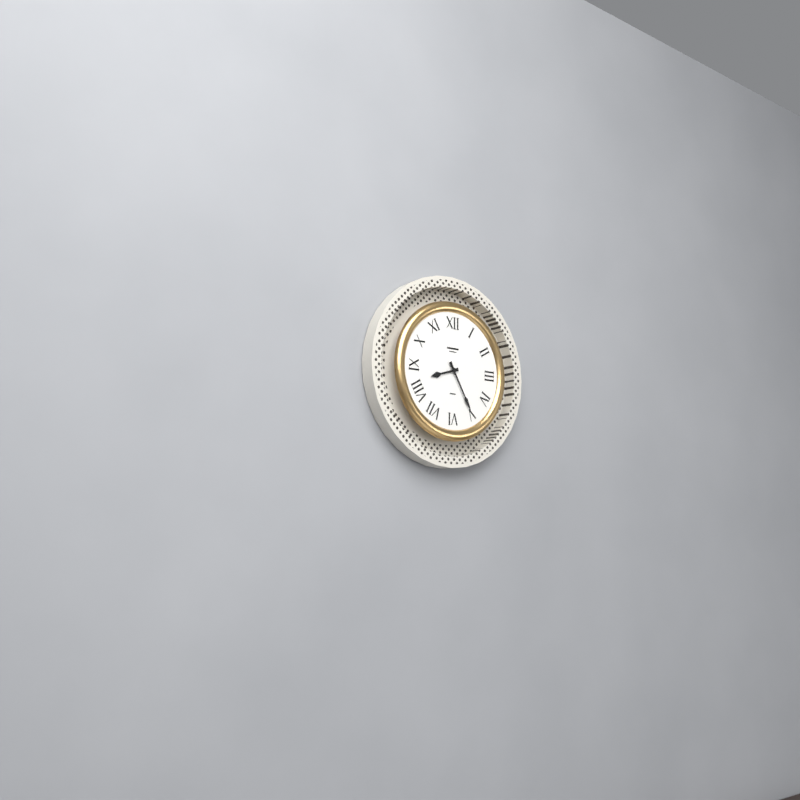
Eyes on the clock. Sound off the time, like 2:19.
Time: 8:25
